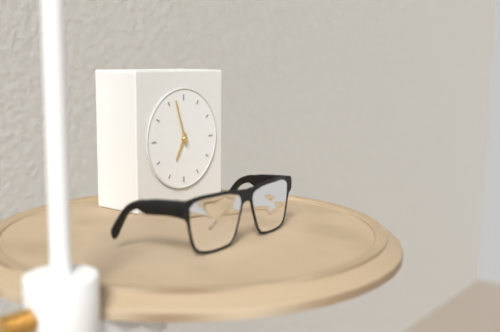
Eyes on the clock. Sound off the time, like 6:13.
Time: 6:57
